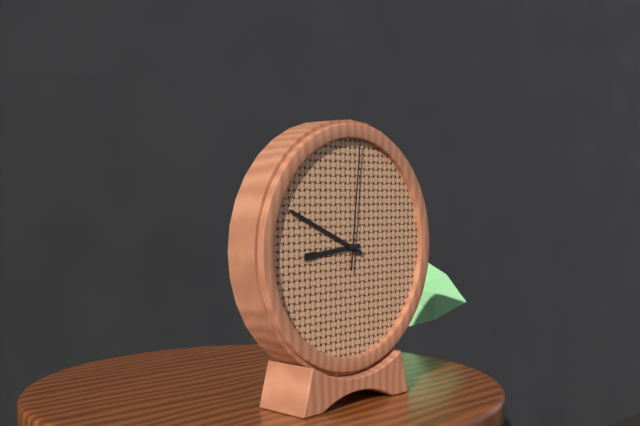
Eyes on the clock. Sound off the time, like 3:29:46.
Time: 8:49:01
